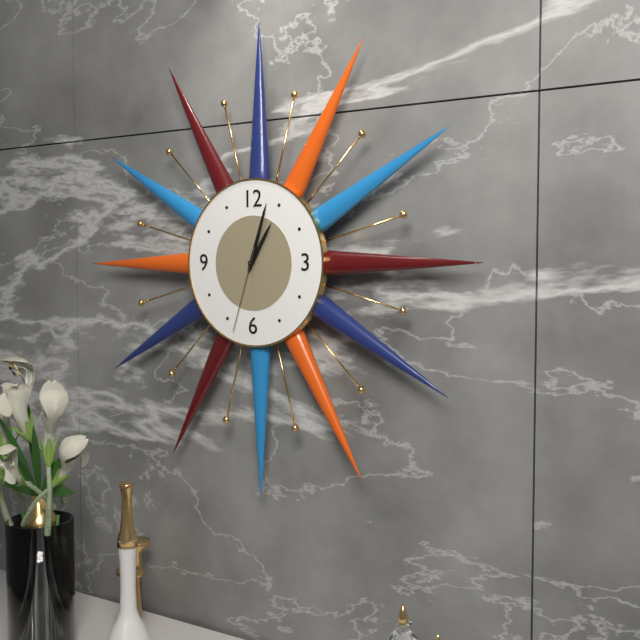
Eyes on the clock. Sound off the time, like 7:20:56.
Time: 1:03:33
